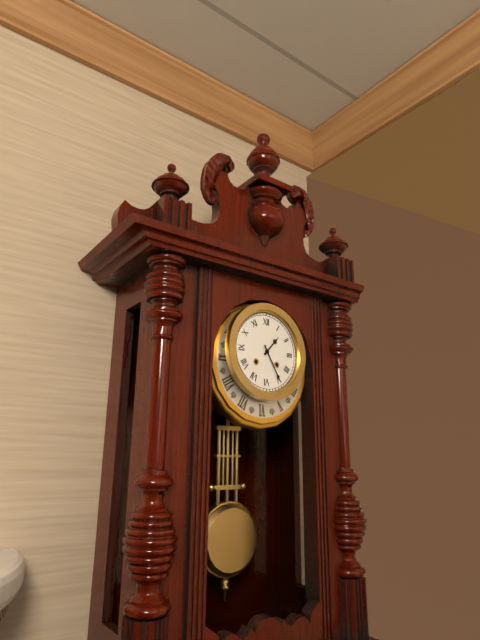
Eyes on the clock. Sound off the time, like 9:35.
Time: 1:25
